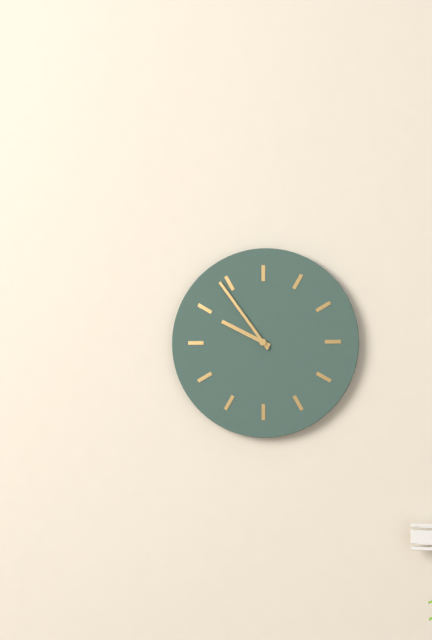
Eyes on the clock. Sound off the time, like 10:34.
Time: 9:54
